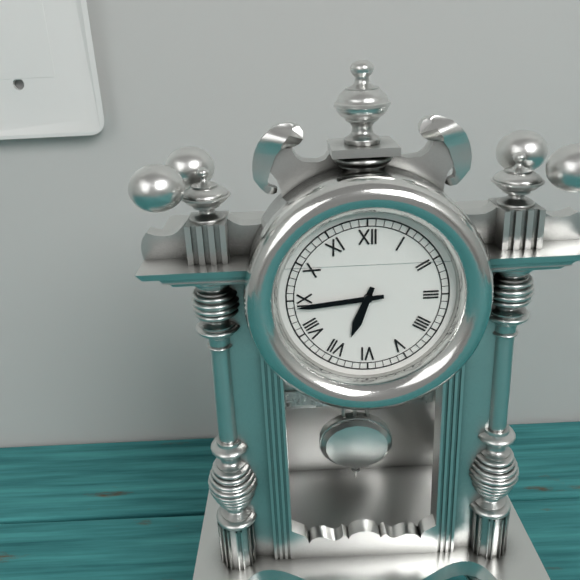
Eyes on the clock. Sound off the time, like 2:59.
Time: 6:44
